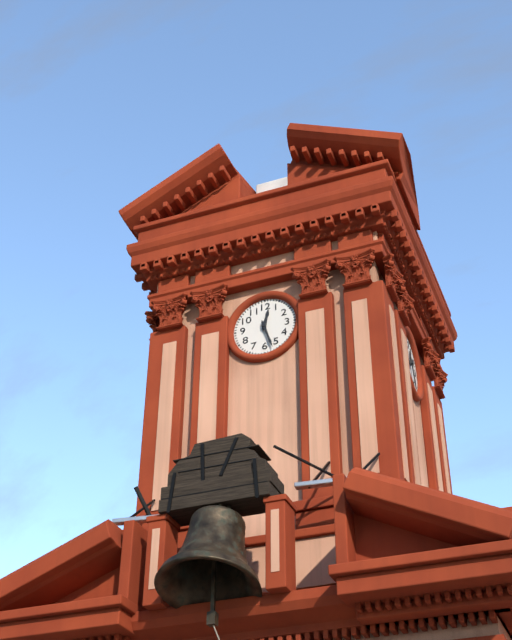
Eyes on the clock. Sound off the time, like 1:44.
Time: 12:27
